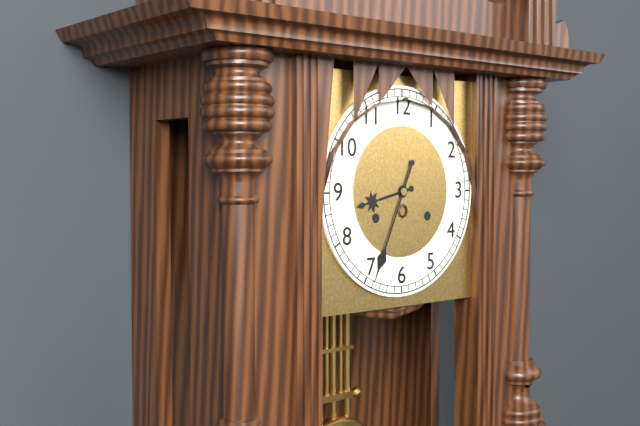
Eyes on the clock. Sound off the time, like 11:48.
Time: 8:34
